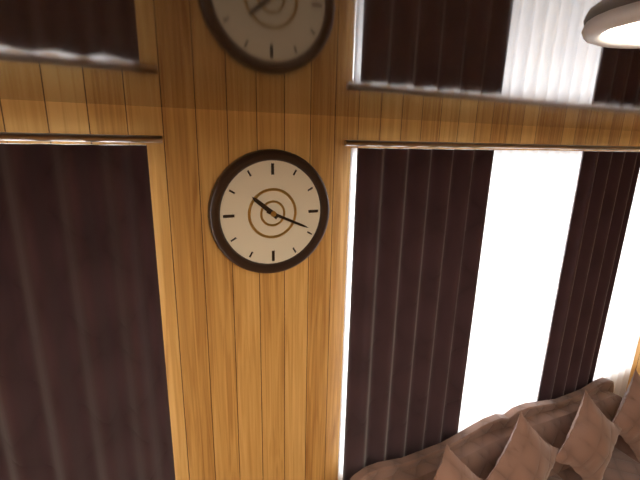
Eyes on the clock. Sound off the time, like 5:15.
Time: 10:19
